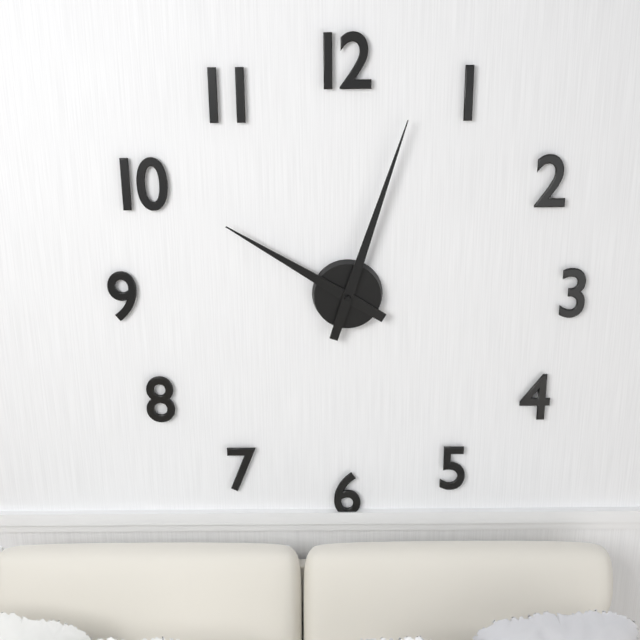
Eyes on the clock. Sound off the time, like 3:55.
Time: 10:03
